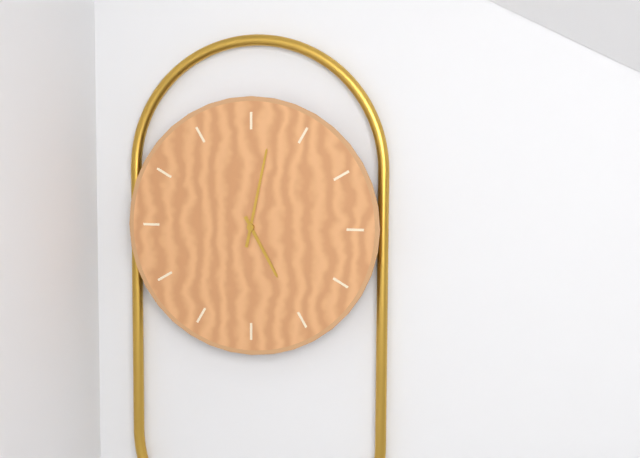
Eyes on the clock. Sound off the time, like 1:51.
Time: 5:02
